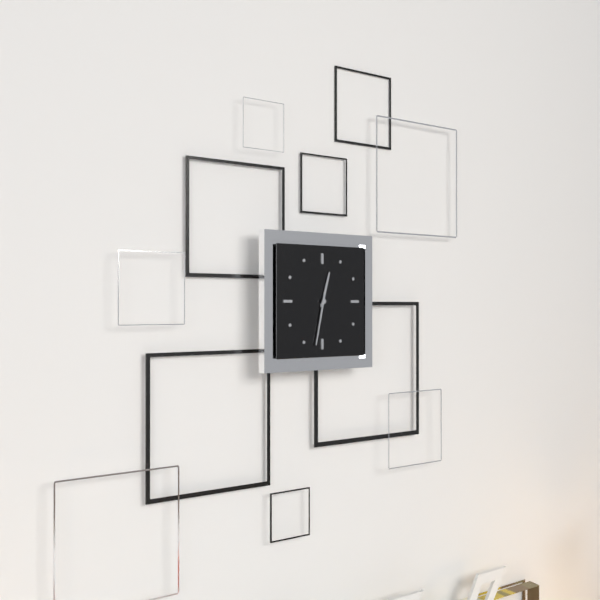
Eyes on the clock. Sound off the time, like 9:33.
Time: 12:32
